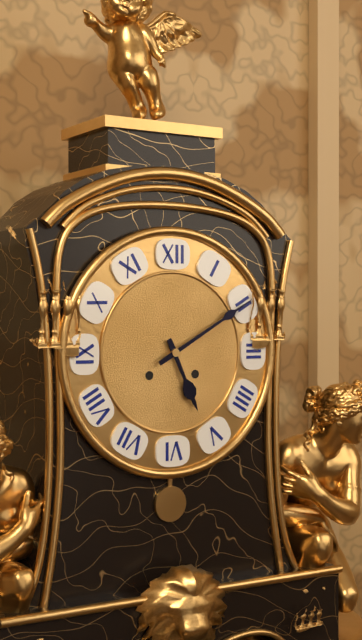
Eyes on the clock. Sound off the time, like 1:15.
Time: 5:10
